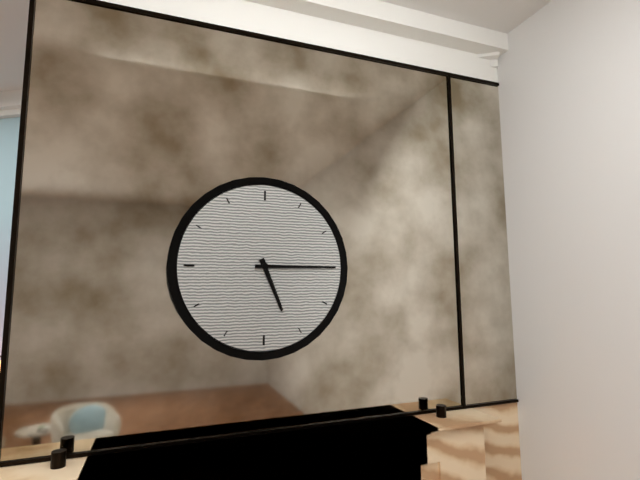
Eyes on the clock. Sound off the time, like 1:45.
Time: 5:15
